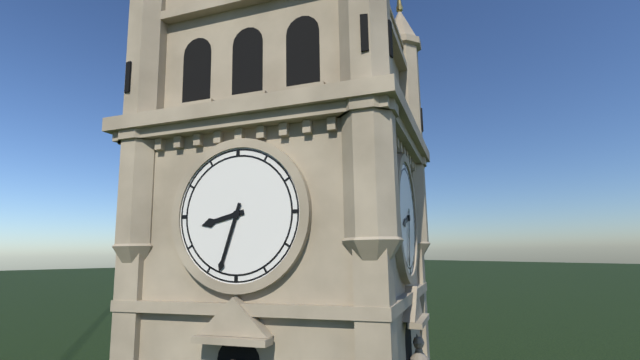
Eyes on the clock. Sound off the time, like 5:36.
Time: 8:33
